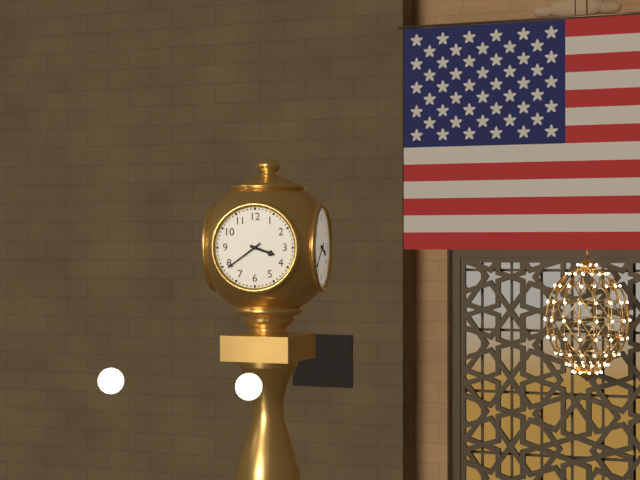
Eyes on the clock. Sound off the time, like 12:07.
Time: 3:39
